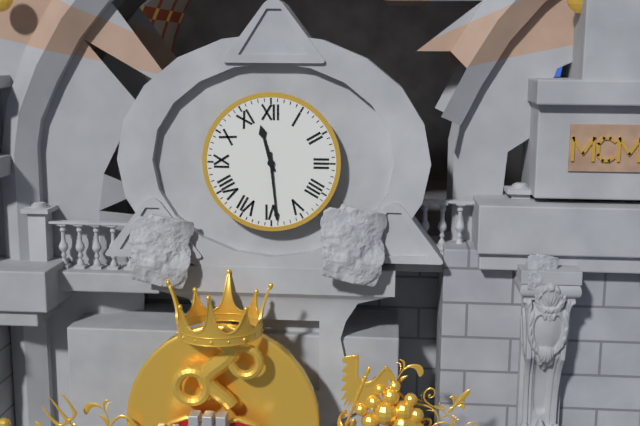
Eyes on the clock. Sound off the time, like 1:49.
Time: 11:29
